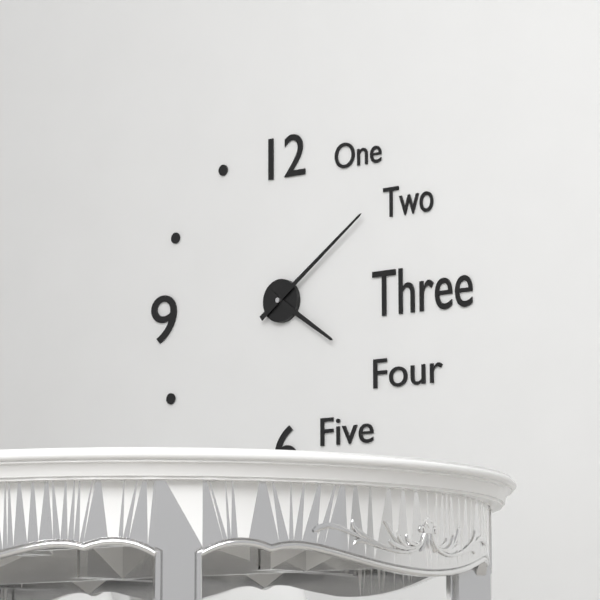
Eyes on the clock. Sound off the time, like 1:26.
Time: 4:09
